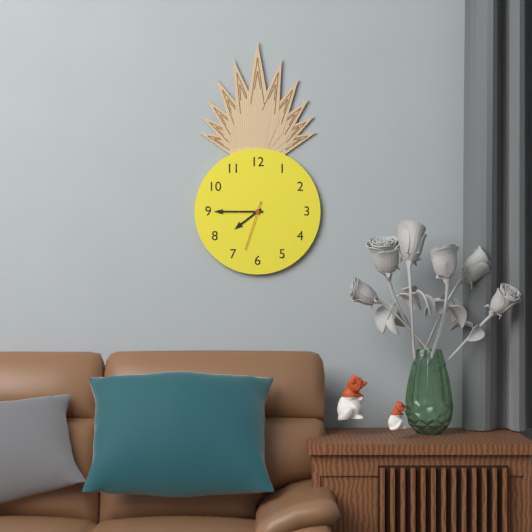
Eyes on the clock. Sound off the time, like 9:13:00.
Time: 7:45:33
